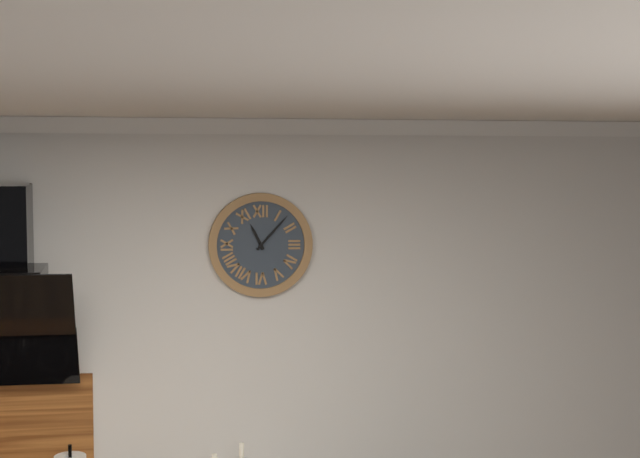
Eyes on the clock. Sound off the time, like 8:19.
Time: 11:07
